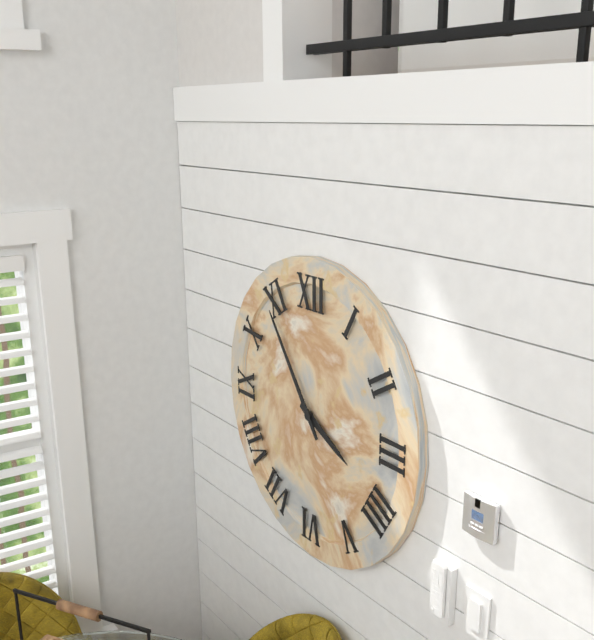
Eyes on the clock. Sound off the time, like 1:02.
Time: 3:54
